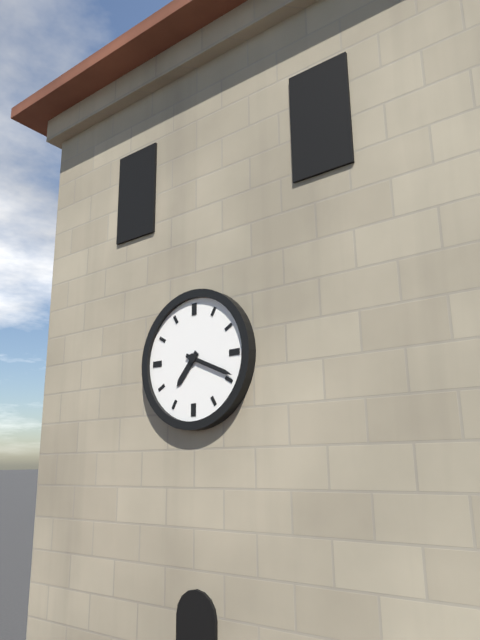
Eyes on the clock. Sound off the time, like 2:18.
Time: 7:19
